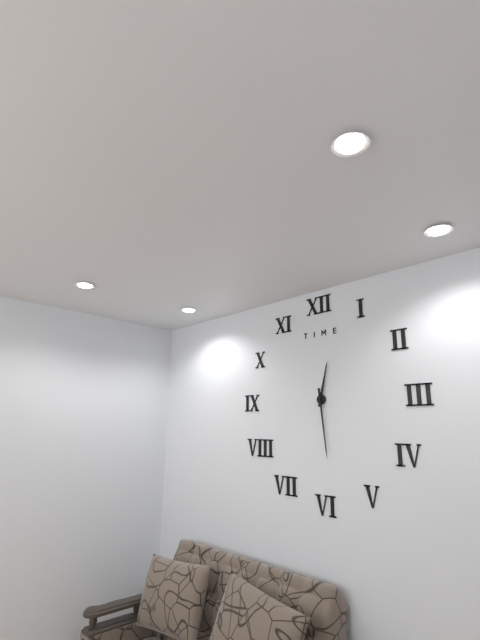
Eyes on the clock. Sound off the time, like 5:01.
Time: 12:29
